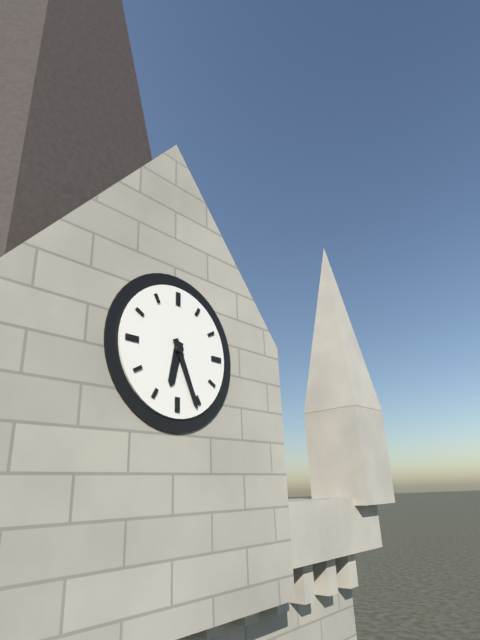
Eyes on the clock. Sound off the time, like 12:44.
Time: 6:26
